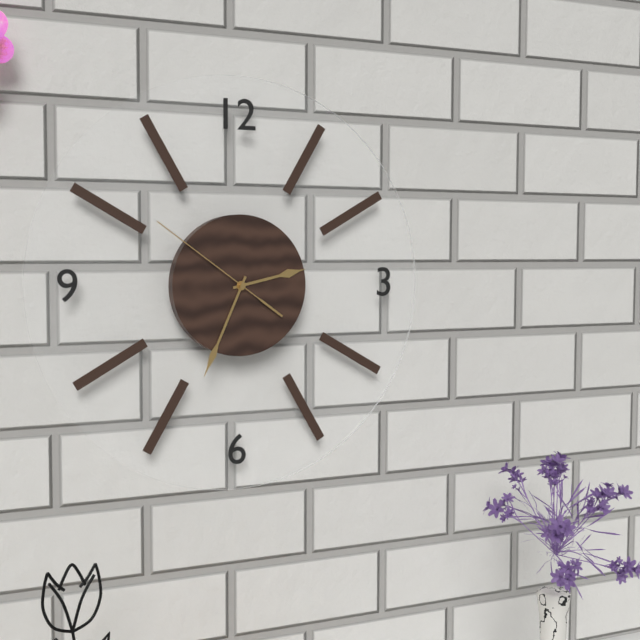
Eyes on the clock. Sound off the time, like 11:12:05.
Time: 2:34:51
